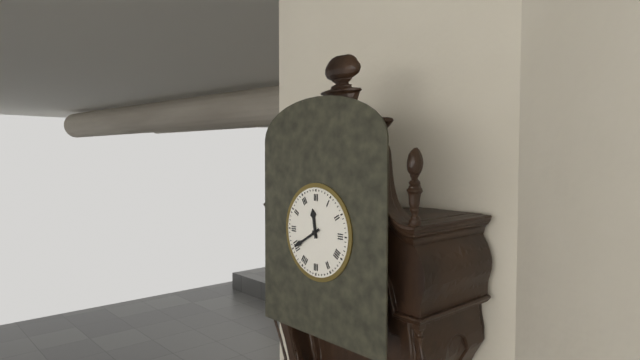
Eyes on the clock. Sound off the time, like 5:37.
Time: 11:40
